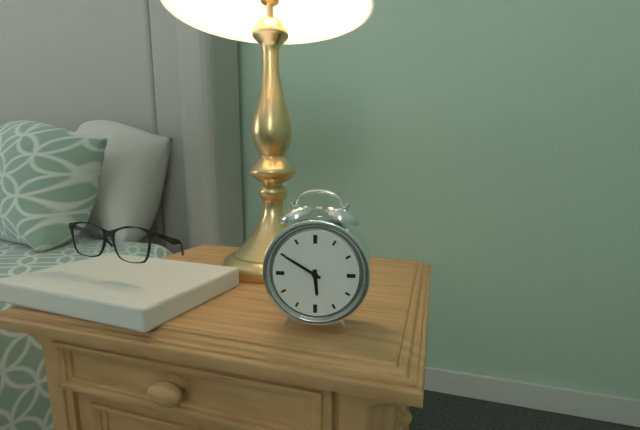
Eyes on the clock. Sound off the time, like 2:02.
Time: 5:50
